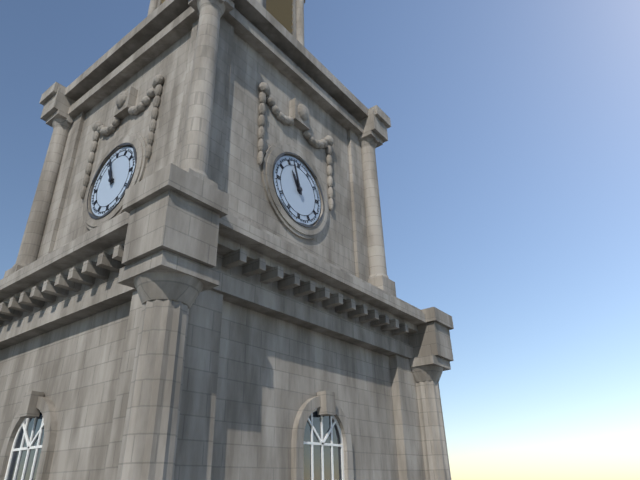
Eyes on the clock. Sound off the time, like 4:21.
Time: 10:57
